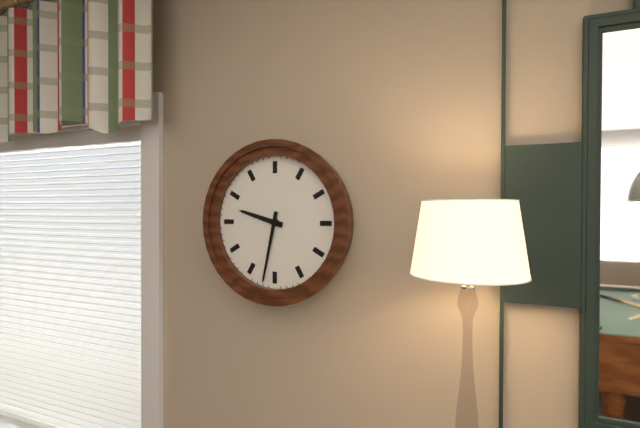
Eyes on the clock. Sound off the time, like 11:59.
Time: 9:32
